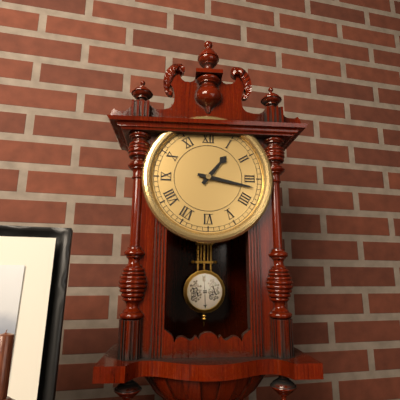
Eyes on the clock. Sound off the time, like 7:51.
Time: 1:17
